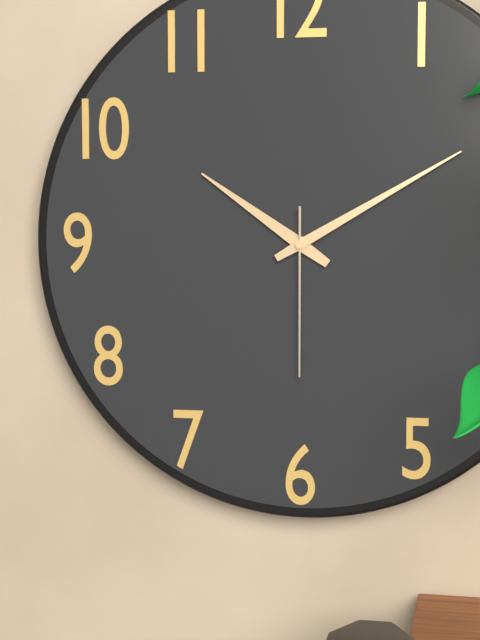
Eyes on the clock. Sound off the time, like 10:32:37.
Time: 10:10:30
